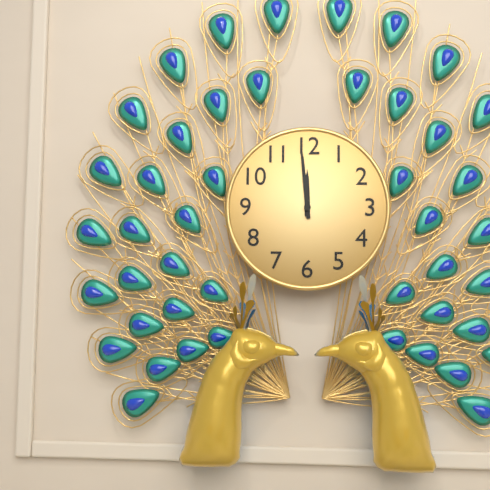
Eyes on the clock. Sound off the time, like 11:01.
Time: 11:59
